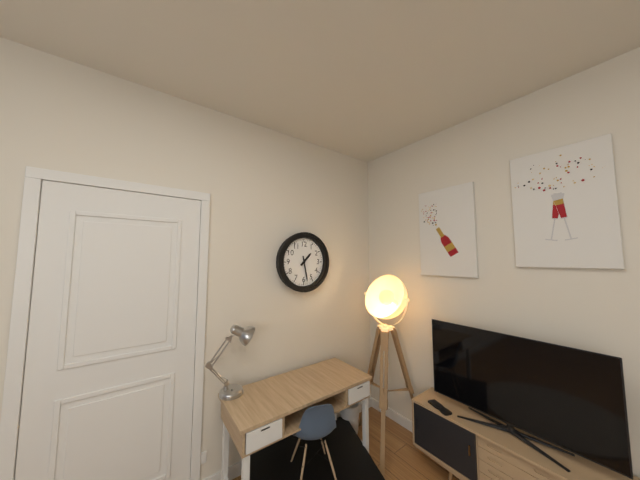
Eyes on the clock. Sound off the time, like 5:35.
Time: 1:28
